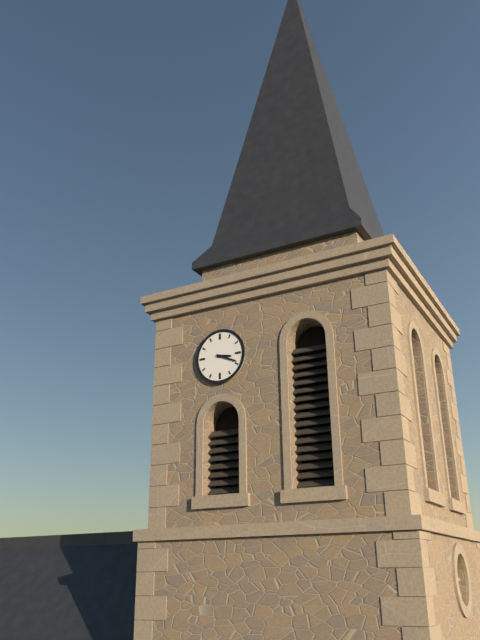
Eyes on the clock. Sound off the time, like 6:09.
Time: 3:19
